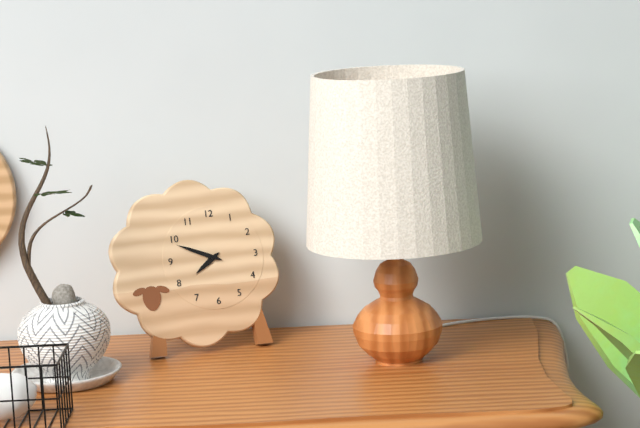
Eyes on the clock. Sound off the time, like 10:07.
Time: 7:49
